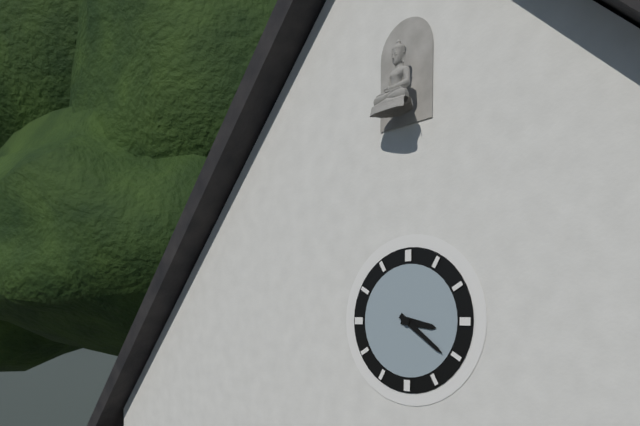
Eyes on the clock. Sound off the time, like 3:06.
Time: 3:21
